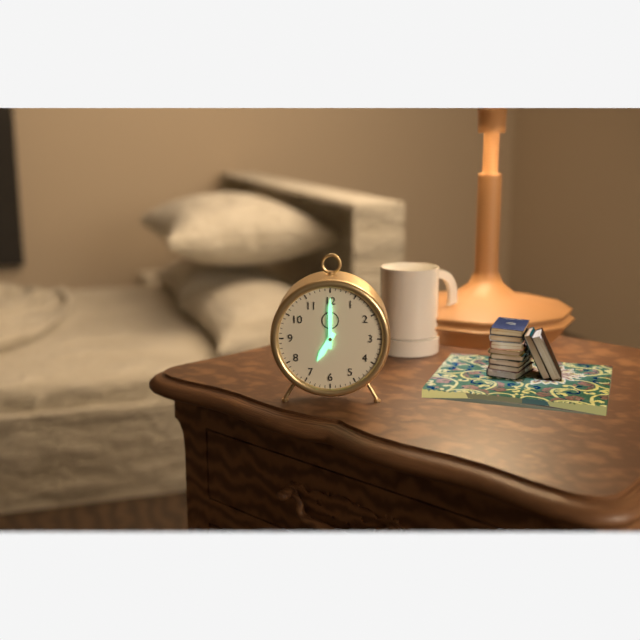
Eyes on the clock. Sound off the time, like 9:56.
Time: 7:00
